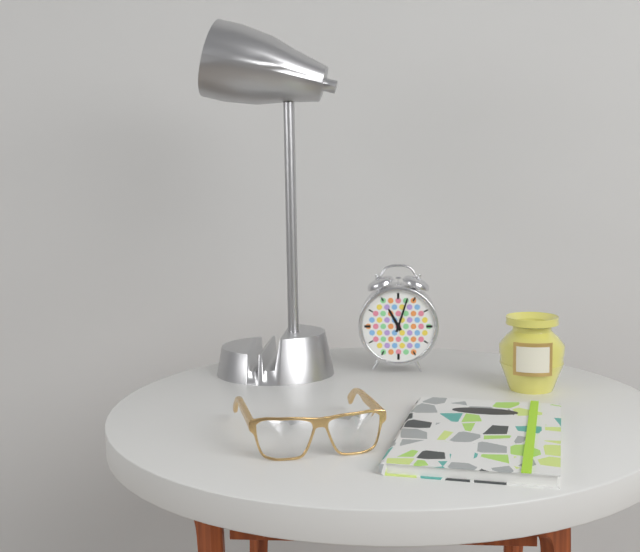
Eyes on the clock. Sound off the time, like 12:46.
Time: 11:03
